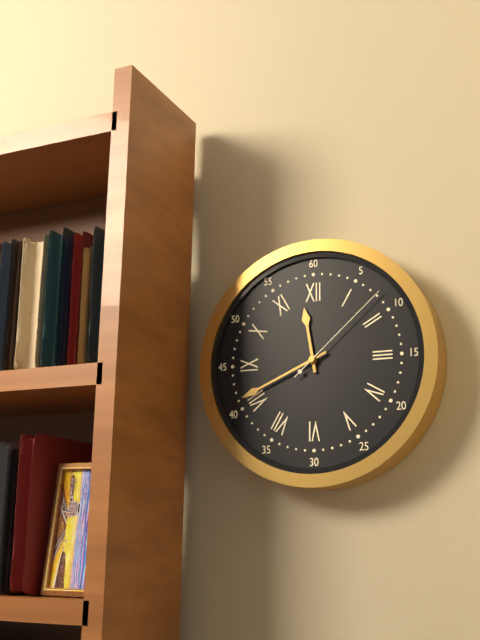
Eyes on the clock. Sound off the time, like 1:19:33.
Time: 11:41:08
